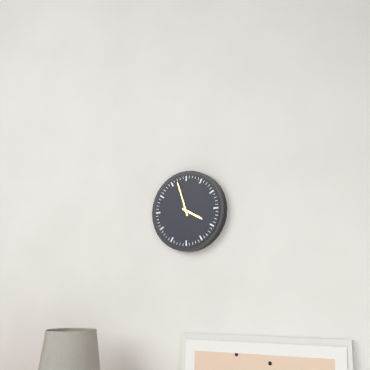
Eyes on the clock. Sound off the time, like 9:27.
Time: 3:57
